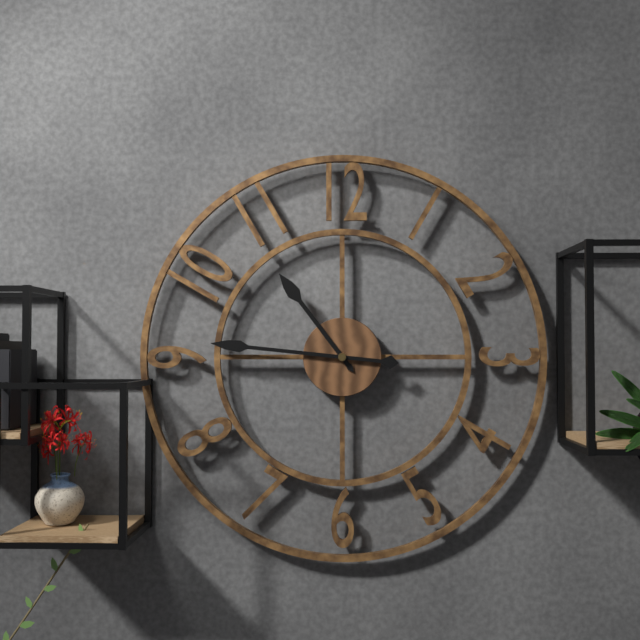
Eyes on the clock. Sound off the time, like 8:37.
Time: 10:46
